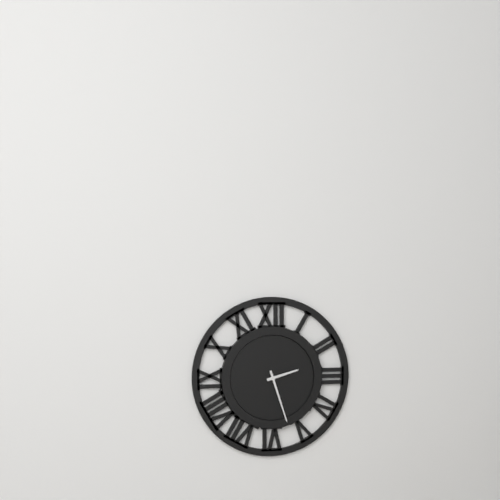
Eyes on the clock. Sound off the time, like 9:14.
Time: 2:27
